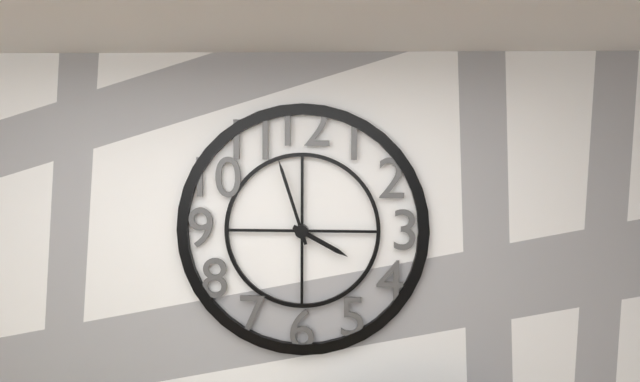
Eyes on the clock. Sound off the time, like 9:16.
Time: 3:57
